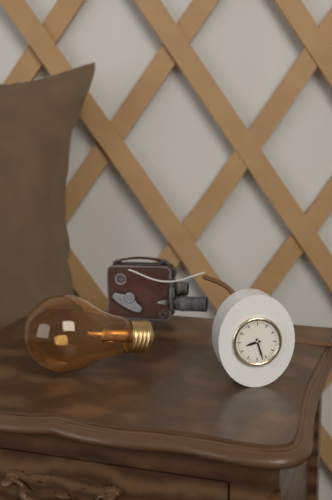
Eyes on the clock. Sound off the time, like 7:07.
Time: 8:27
